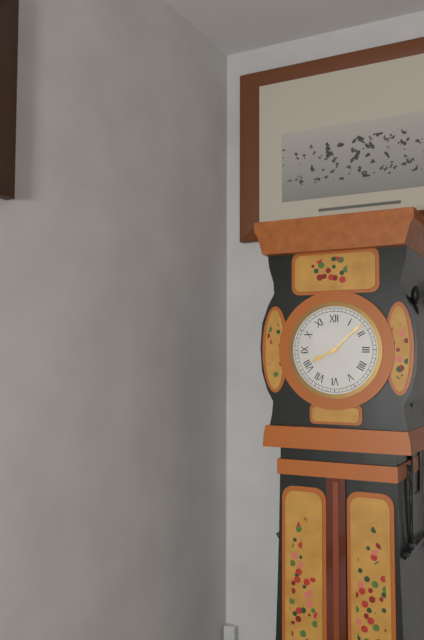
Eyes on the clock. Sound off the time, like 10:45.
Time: 8:08
